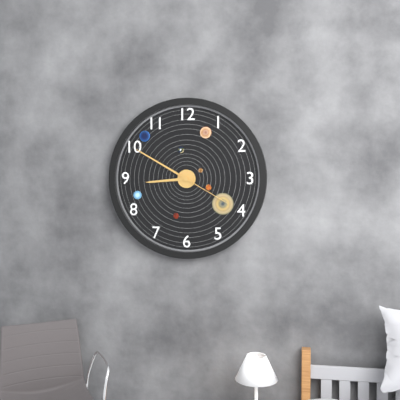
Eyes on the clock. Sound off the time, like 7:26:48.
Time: 8:50:20
